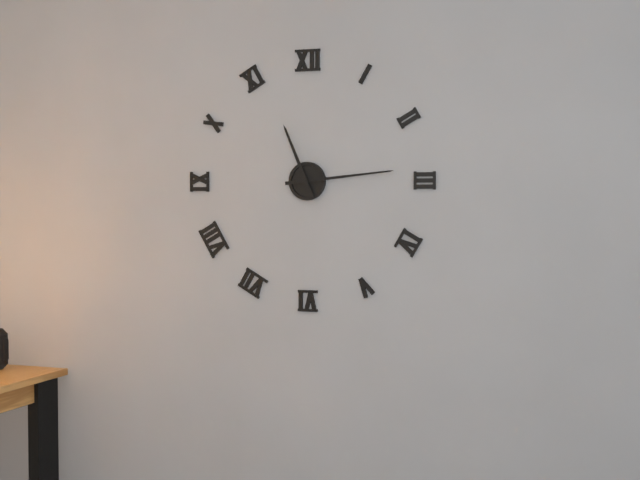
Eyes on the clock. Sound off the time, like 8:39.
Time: 11:14
